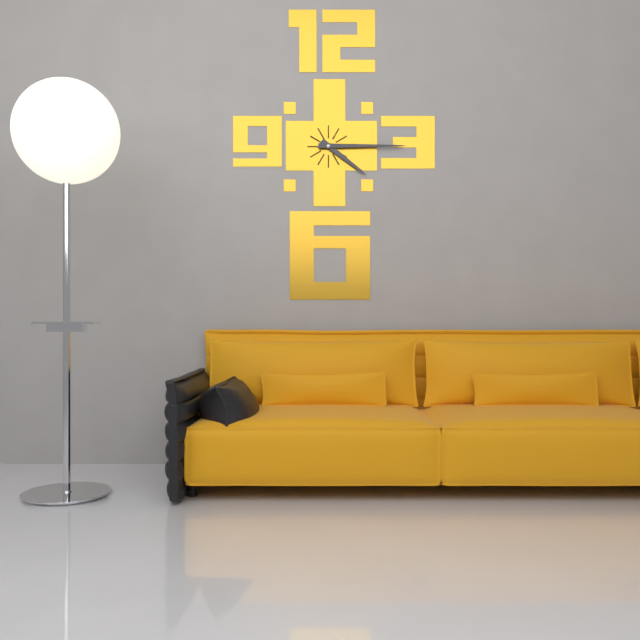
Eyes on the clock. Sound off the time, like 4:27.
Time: 4:15
